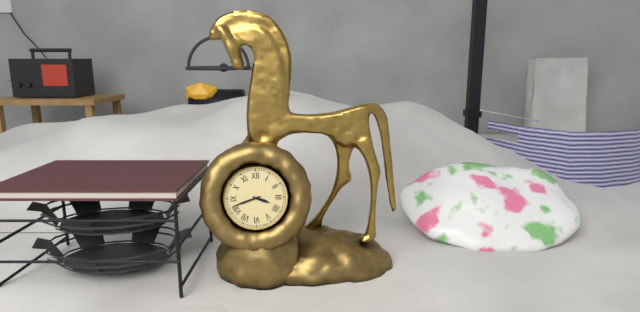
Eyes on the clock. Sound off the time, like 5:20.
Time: 3:42
